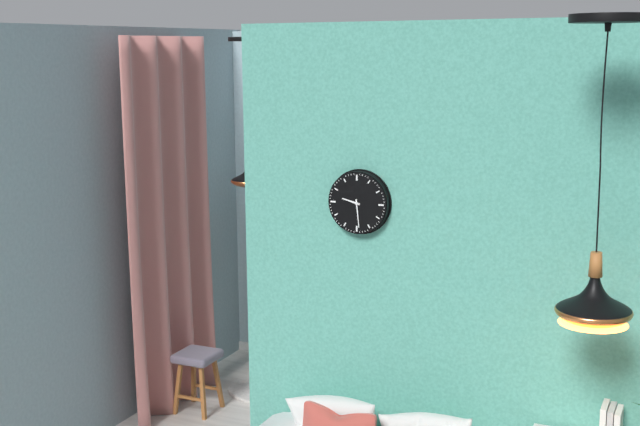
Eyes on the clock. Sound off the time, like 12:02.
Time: 9:29
